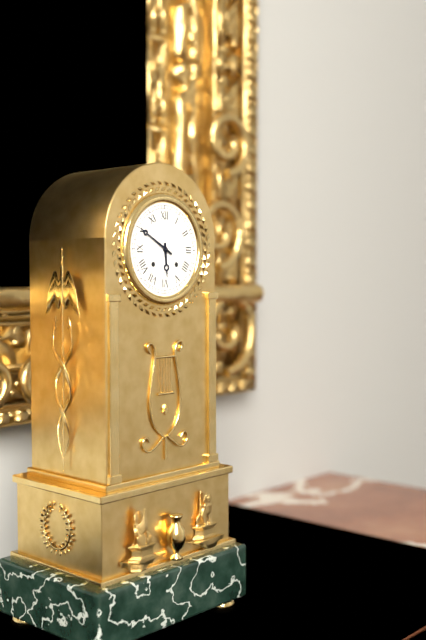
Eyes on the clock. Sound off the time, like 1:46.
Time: 5:50
